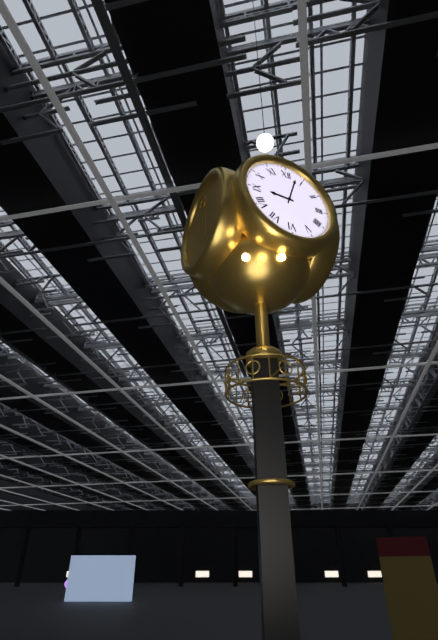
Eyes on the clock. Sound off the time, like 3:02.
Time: 9:03
